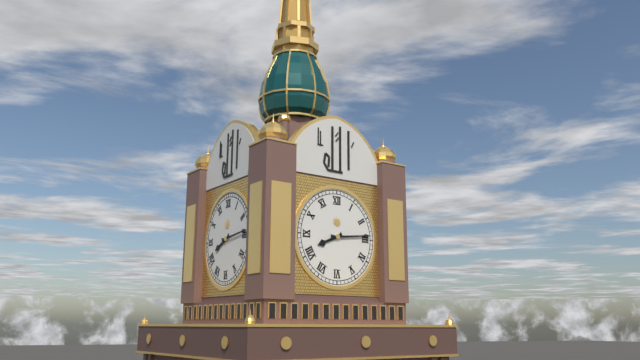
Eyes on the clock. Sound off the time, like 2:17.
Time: 8:14
